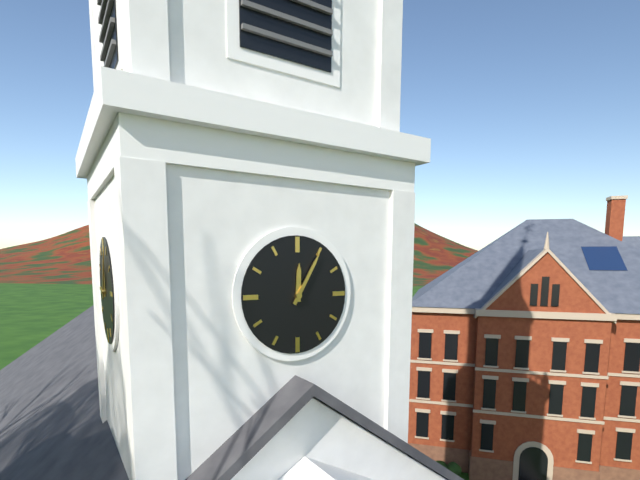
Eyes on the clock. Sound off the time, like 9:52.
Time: 12:05
